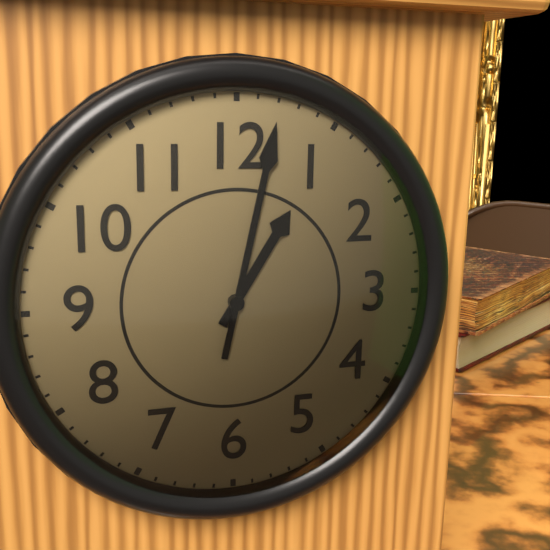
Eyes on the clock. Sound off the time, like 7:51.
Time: 1:02
